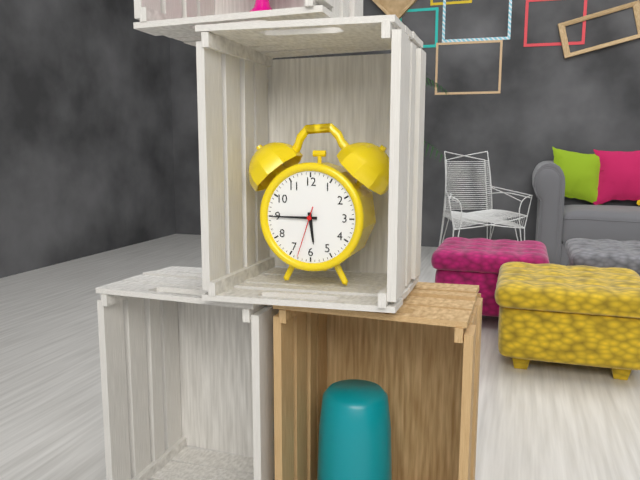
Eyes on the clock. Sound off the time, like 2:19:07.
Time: 5:45:33
